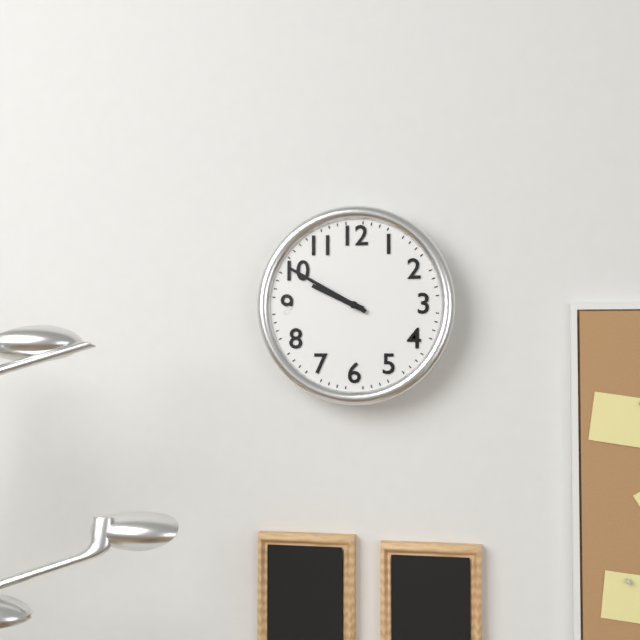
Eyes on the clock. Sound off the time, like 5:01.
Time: 9:50
